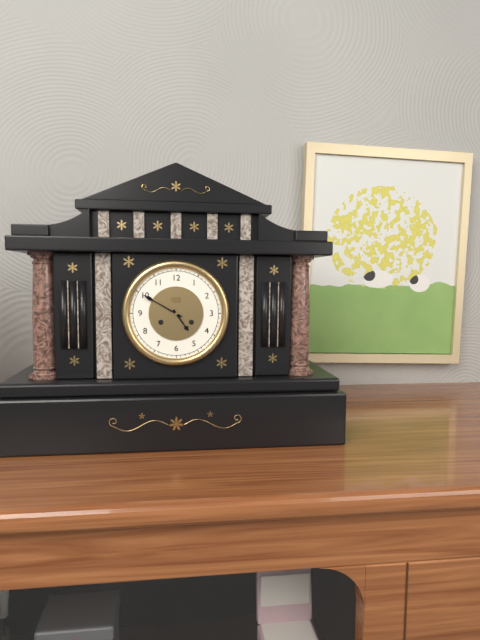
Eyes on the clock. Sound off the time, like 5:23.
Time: 4:50
